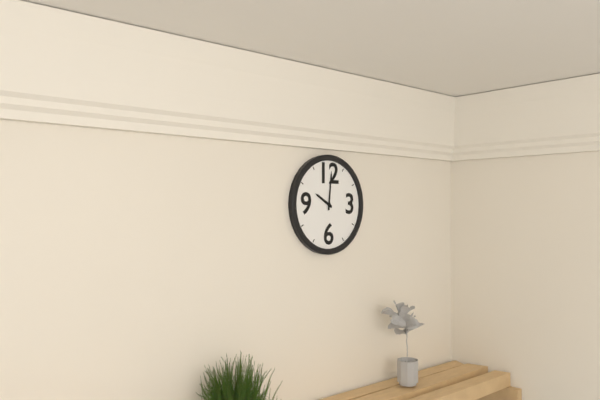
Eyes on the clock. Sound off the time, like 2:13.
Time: 10:01
